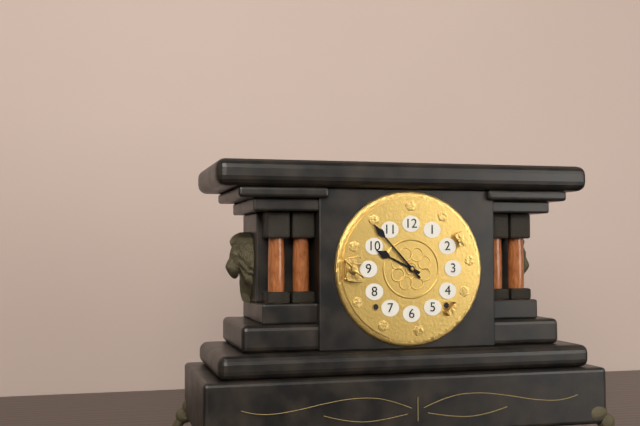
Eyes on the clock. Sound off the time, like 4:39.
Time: 9:53
